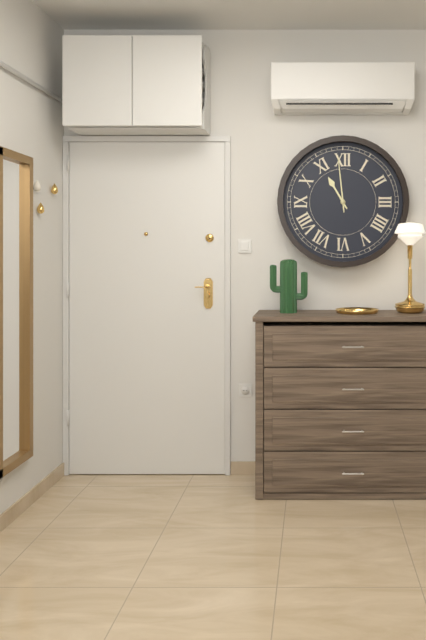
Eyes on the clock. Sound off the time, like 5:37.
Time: 10:59
